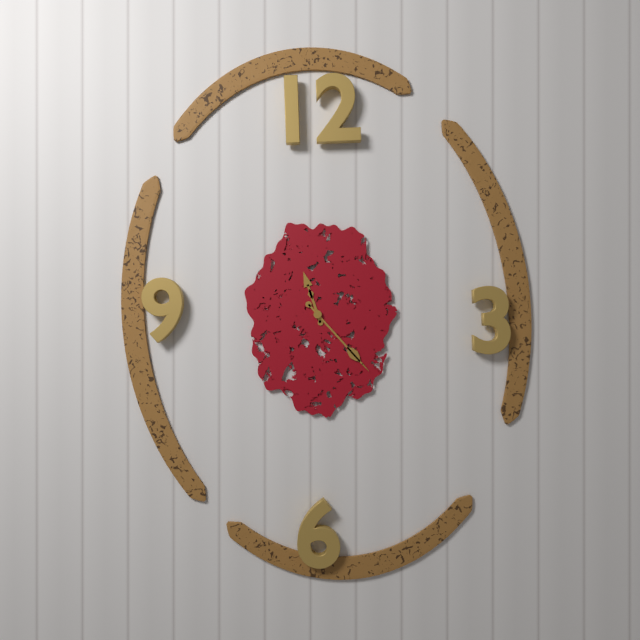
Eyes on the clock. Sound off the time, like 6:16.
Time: 11:23
